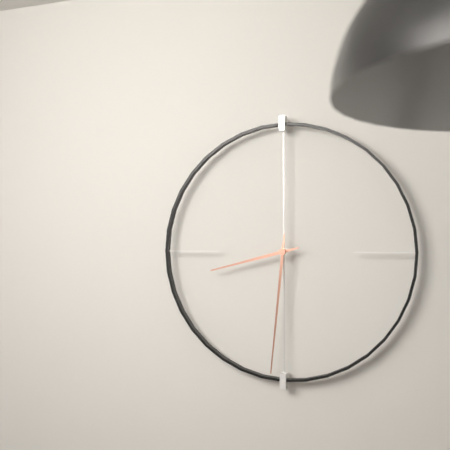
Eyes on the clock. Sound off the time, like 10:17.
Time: 8:31
